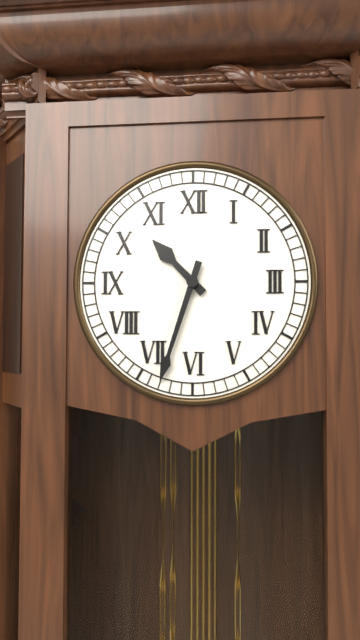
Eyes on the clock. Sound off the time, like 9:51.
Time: 10:33
